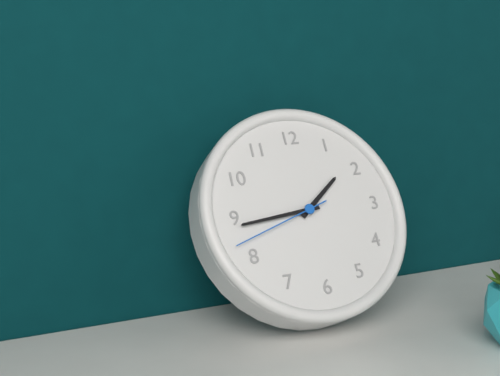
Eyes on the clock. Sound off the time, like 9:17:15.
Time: 1:44:42
